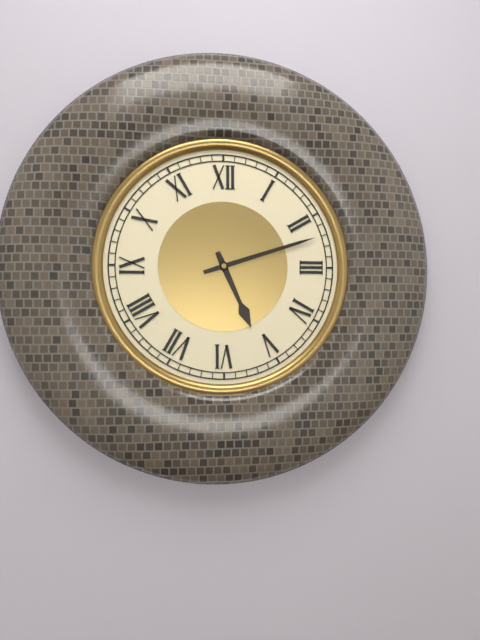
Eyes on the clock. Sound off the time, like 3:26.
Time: 5:12
